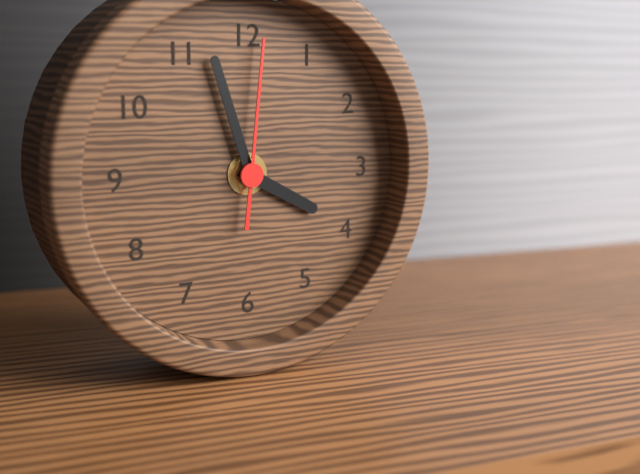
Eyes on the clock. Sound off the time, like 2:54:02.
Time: 3:57:01
